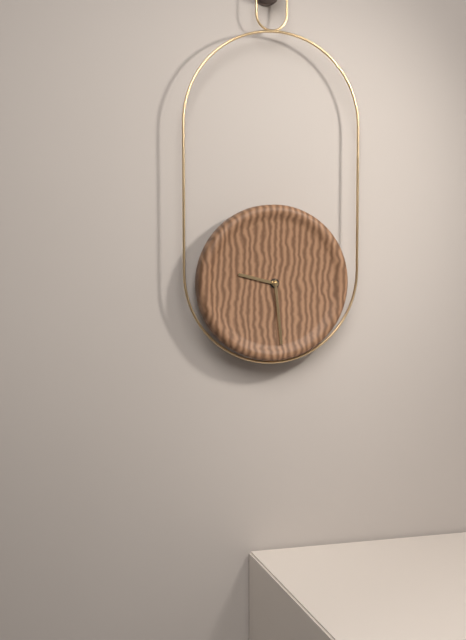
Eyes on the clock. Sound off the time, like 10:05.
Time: 9:29
